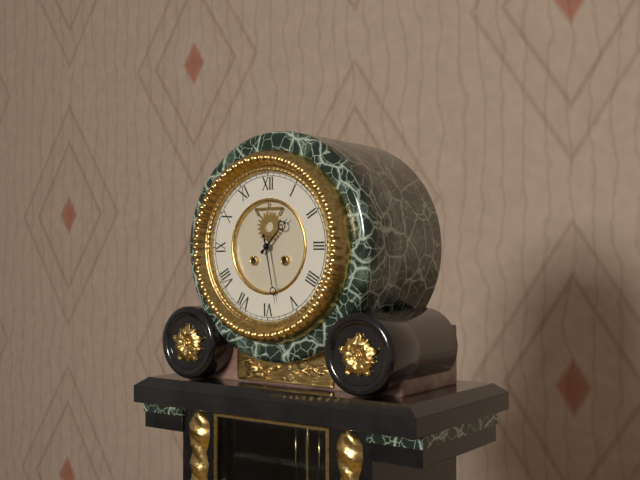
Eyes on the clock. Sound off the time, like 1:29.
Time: 1:28
